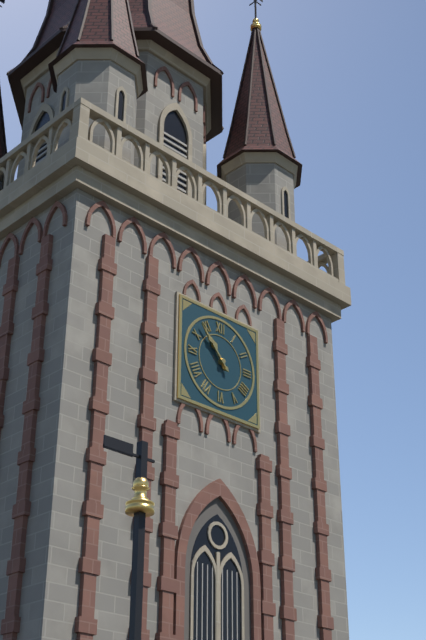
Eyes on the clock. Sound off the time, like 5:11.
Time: 10:53
